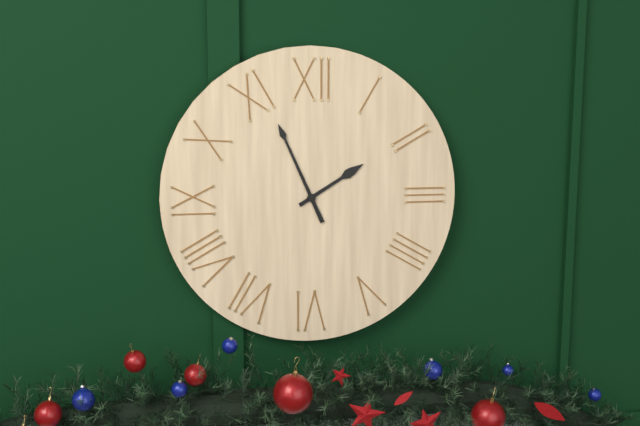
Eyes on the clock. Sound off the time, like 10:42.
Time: 1:56
